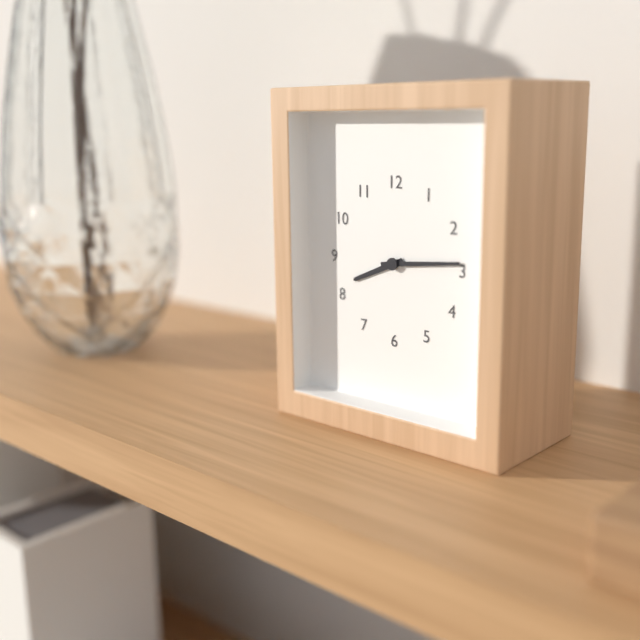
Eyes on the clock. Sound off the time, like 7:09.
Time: 8:14
